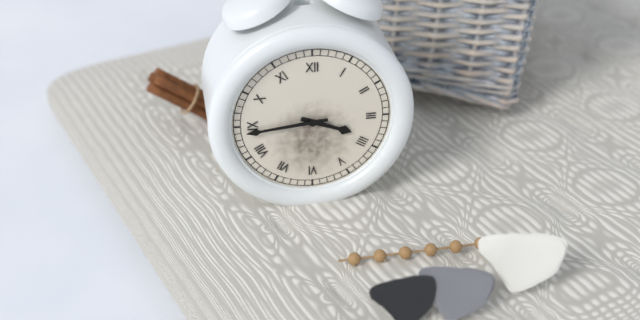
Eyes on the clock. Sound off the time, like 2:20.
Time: 3:44
